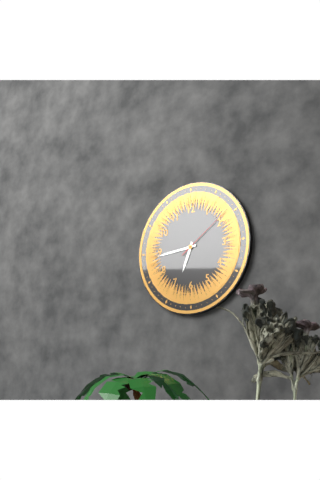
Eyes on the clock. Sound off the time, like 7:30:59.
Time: 6:44:09
